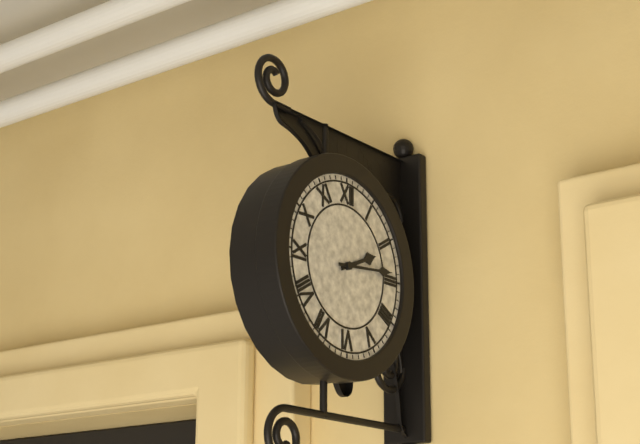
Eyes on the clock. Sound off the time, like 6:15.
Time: 2:14
